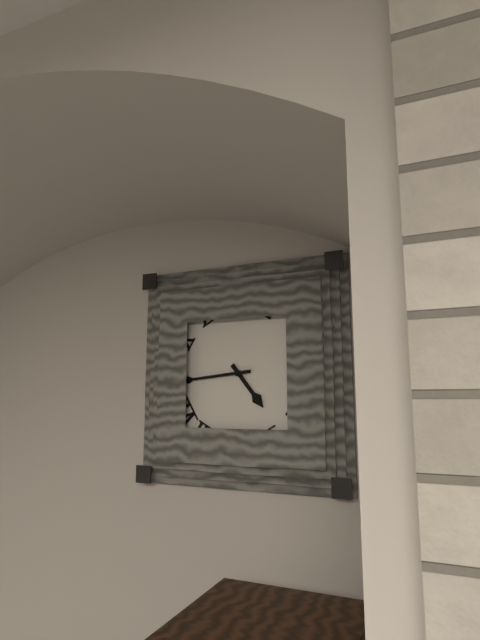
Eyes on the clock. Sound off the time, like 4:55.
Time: 4:44
